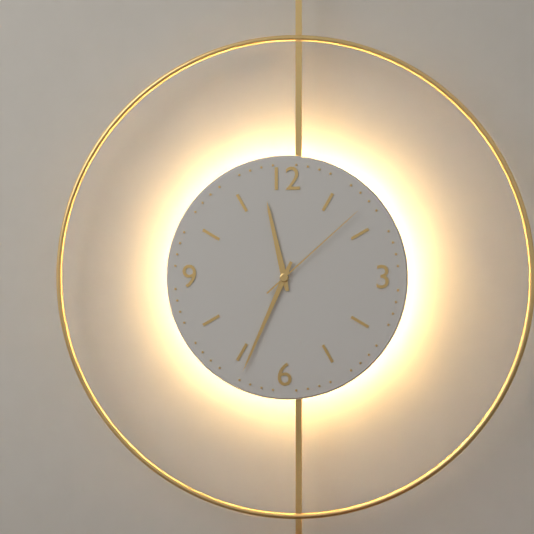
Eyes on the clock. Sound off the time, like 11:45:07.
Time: 11:34:08
